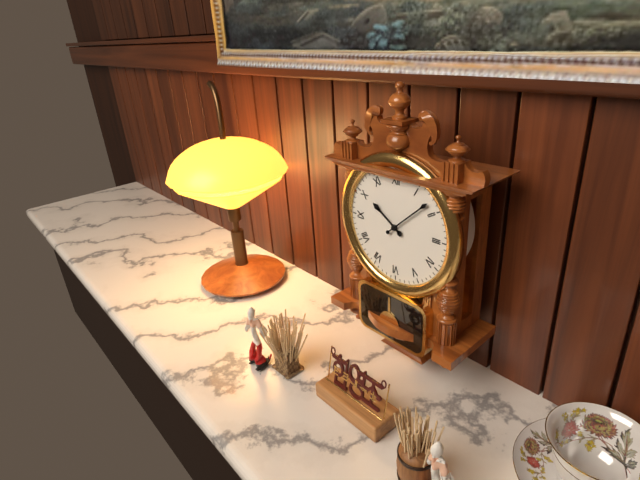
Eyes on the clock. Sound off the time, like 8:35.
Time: 10:08
